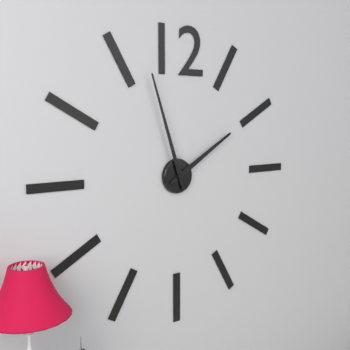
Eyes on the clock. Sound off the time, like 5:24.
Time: 1:57
